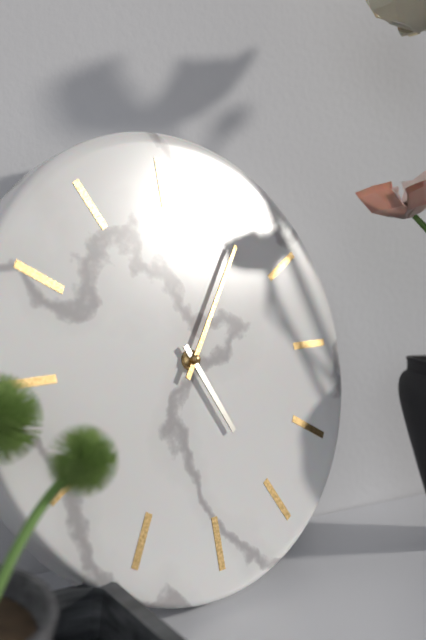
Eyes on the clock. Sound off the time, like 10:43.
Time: 5:06
